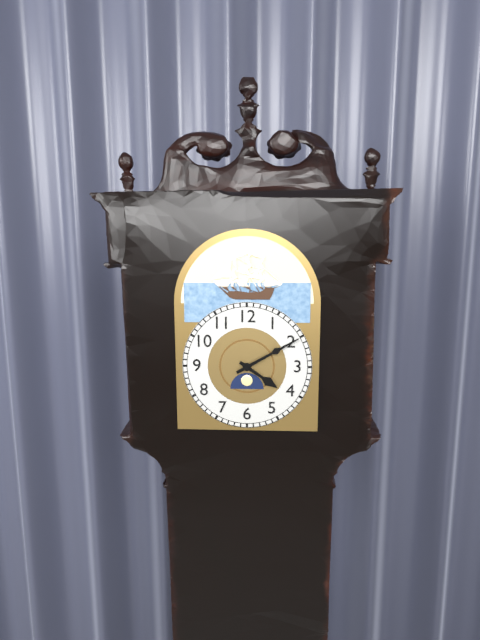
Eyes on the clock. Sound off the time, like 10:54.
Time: 4:10
